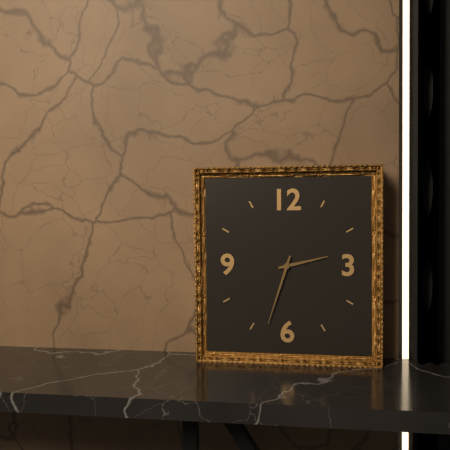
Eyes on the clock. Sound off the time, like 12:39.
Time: 2:33
